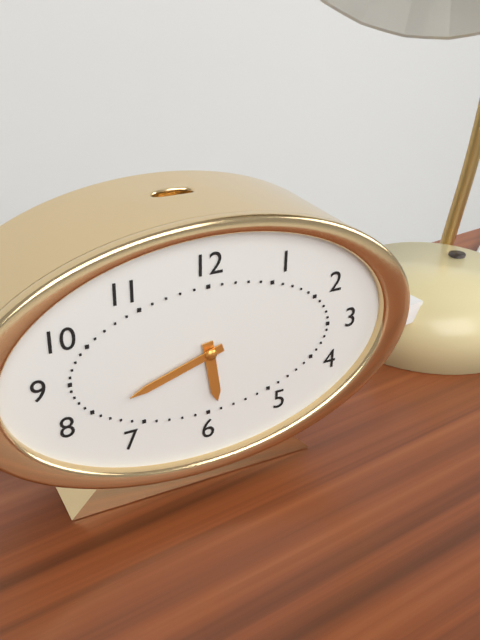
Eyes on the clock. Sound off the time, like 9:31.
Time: 5:42
